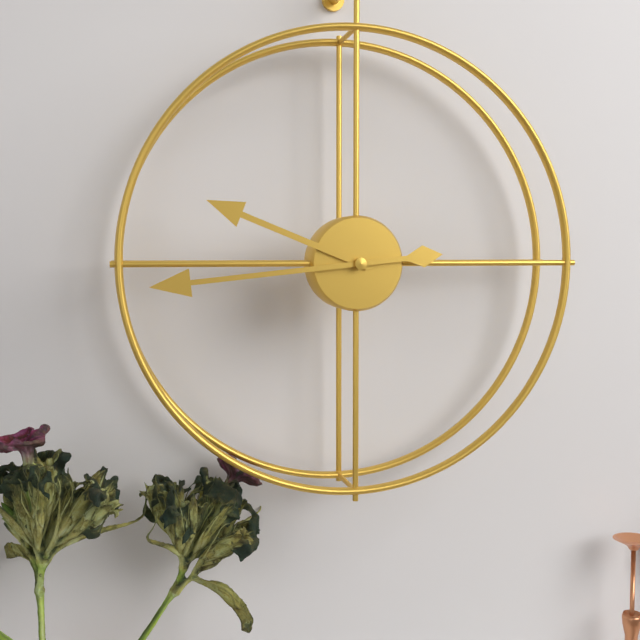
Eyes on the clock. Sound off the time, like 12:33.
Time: 9:44
